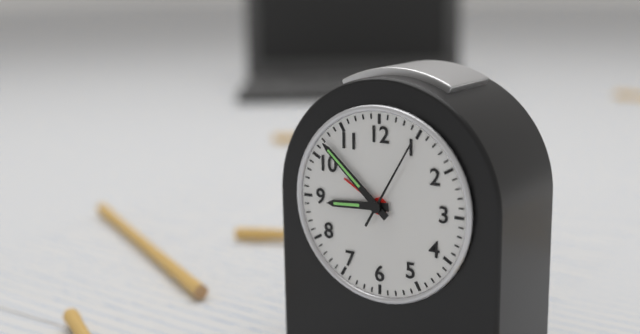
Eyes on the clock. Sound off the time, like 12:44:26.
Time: 8:52:05
